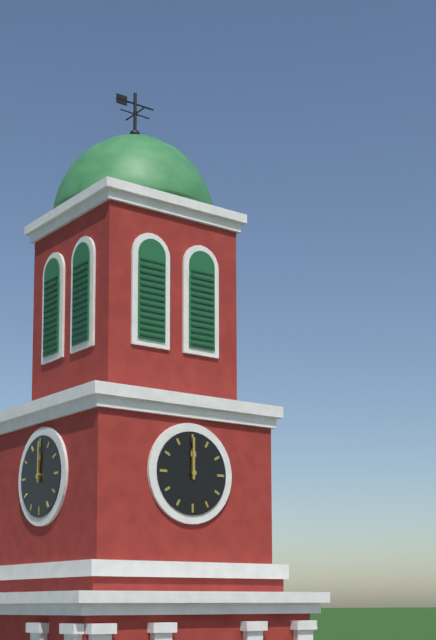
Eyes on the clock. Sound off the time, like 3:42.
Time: 12:00
